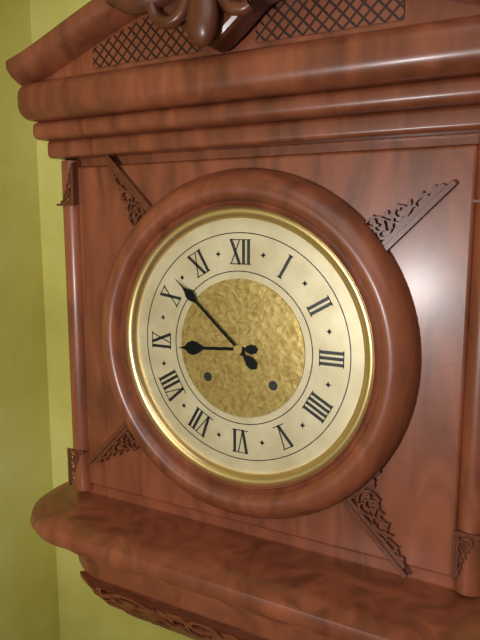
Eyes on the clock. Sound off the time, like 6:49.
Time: 8:52
